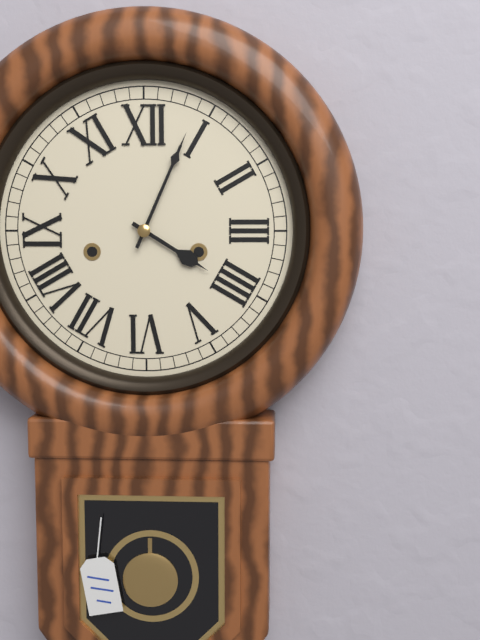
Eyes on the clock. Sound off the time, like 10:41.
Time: 4:04
